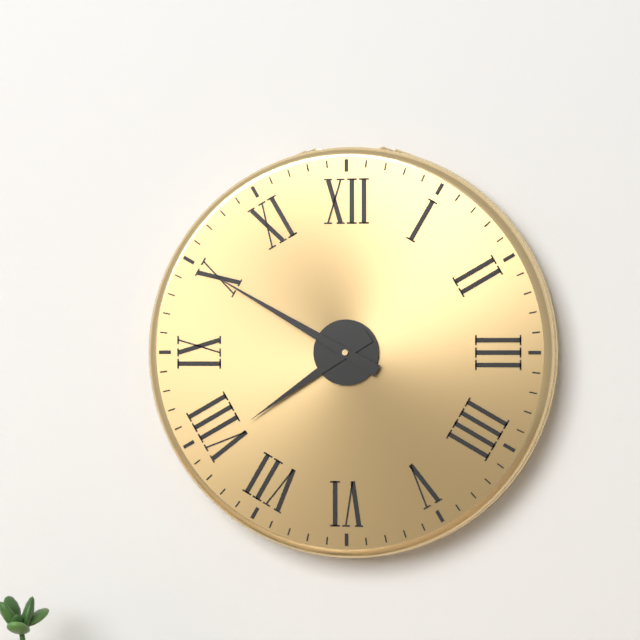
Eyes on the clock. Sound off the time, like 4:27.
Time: 7:50
